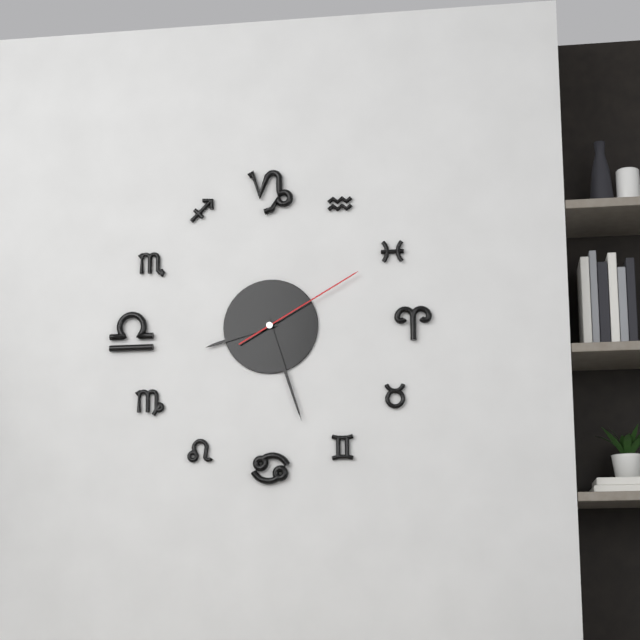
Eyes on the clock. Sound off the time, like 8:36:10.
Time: 8:27:10
